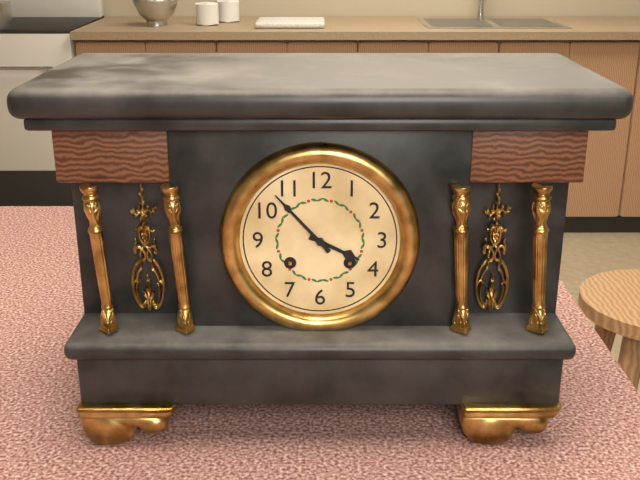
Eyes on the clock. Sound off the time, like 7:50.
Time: 3:53
